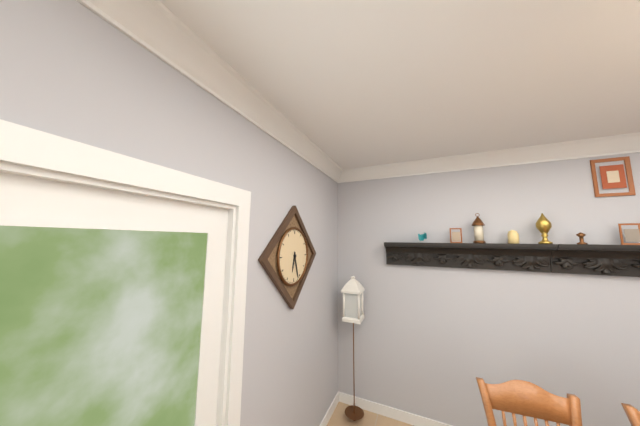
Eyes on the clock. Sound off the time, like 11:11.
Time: 6:27
